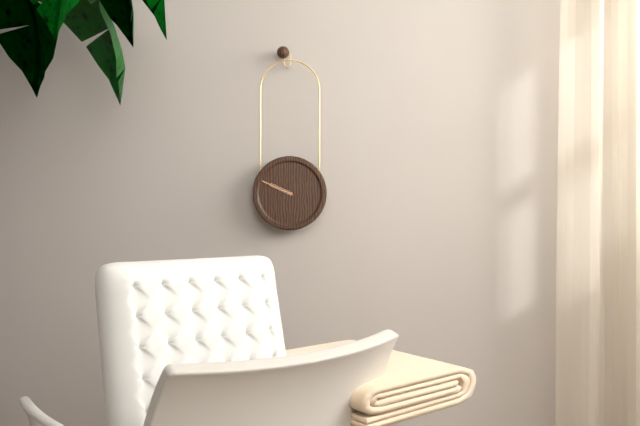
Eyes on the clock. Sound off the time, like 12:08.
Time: 9:49
